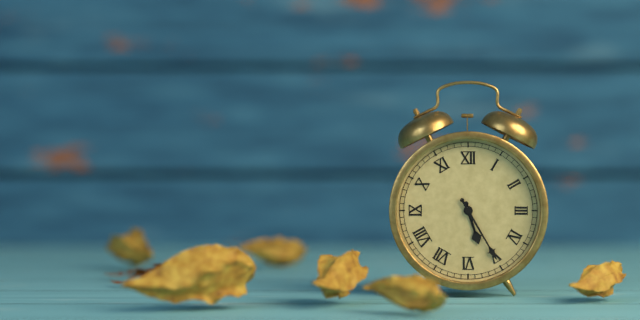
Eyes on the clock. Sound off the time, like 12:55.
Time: 5:25
